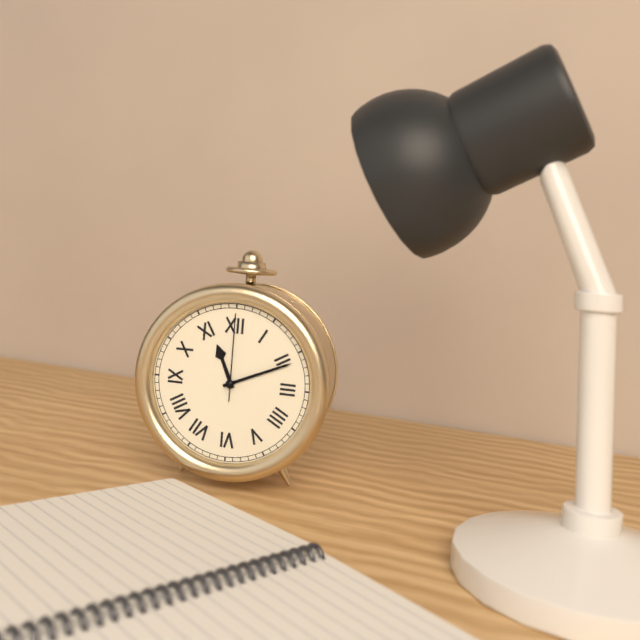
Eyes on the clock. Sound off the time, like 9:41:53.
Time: 11:11:00
